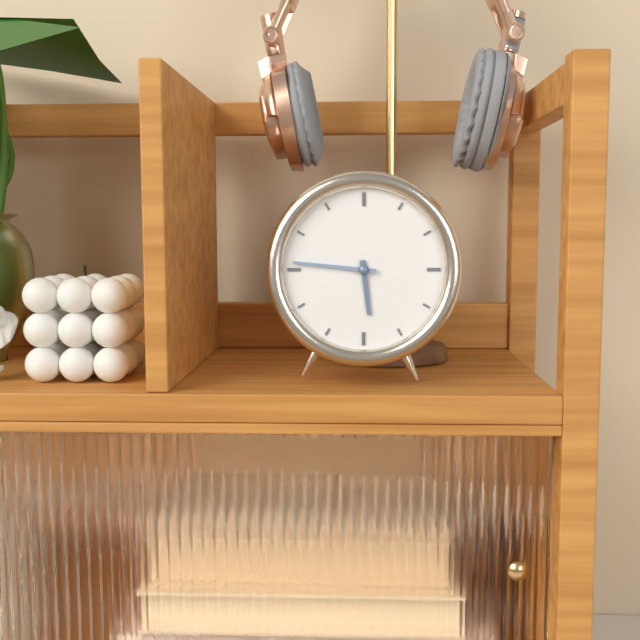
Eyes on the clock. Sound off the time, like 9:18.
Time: 5:46
